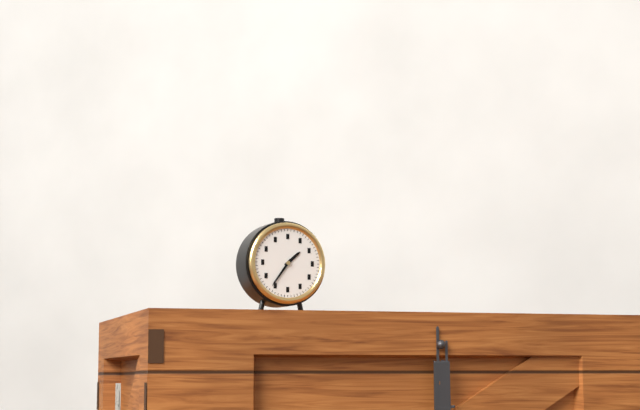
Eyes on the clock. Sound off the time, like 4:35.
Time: 1:36
